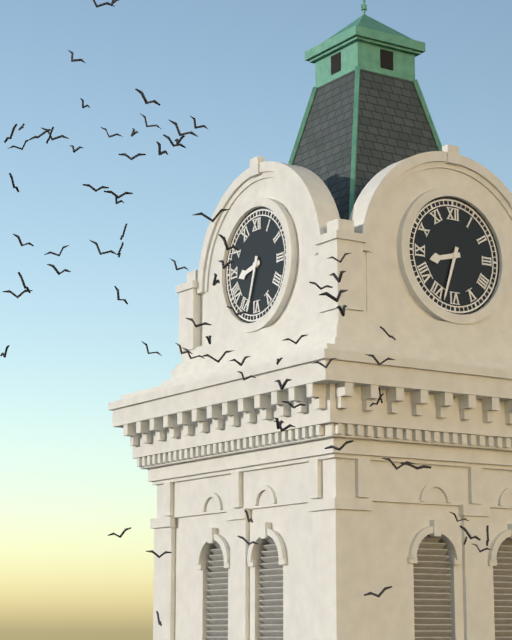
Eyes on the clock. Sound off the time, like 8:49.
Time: 8:33
